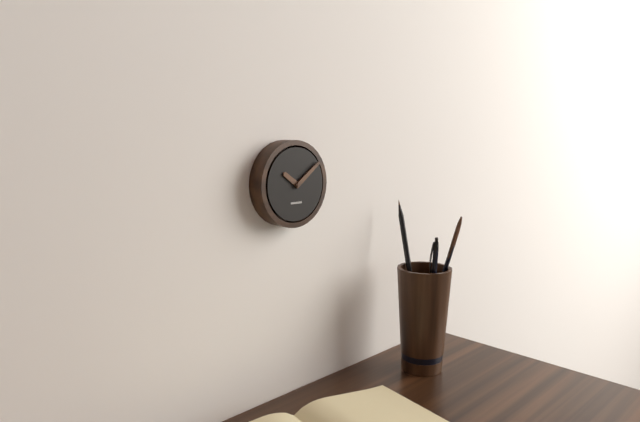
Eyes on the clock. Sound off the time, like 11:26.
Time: 10:09
